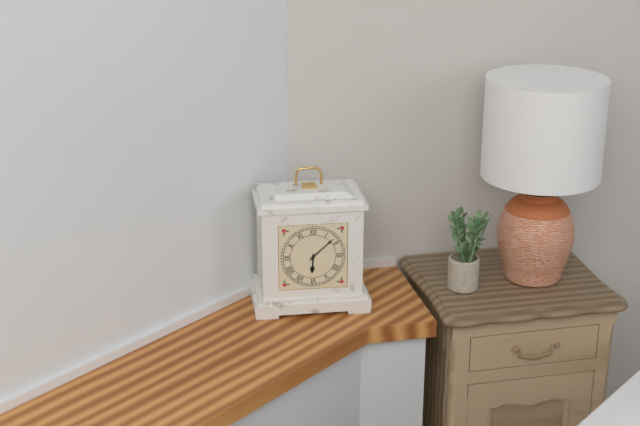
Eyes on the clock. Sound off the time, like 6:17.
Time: 6:08
